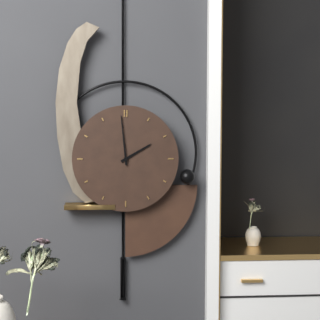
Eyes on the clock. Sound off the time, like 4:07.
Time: 1:59
